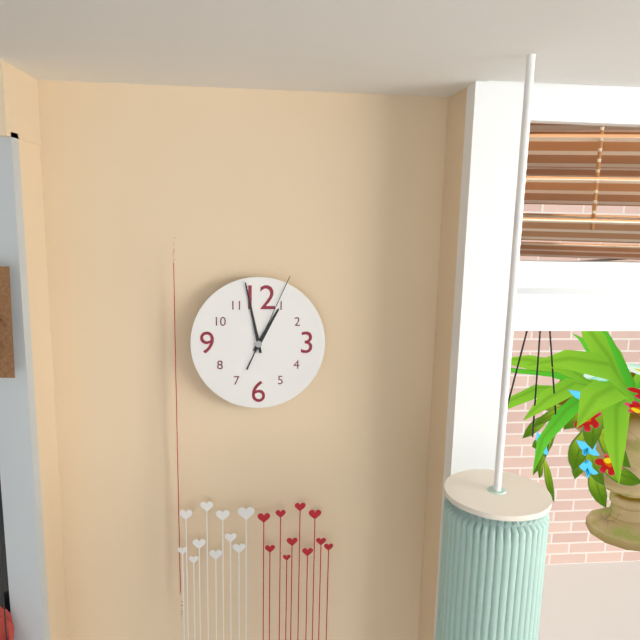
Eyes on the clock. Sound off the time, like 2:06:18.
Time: 12:58:04
